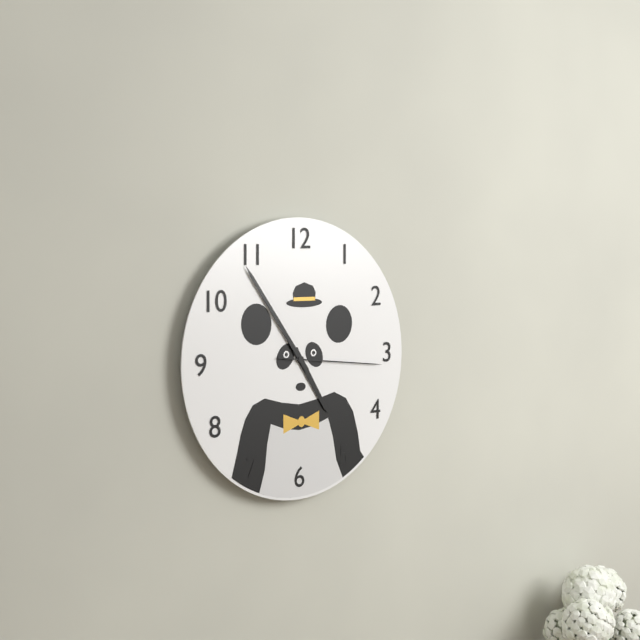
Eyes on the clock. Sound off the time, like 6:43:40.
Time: 4:54:16
